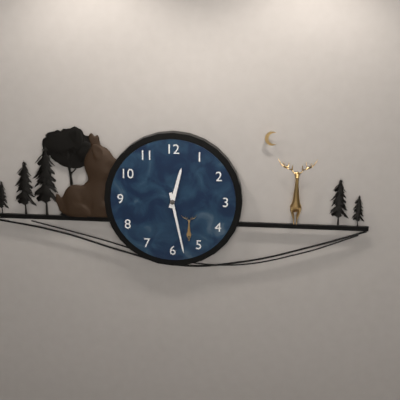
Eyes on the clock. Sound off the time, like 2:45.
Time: 12:28
